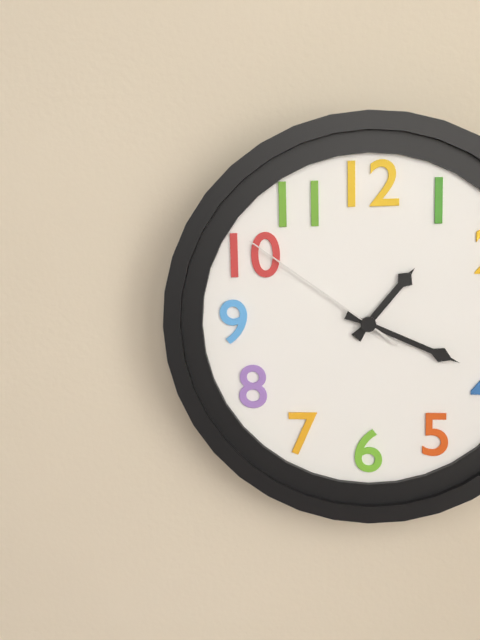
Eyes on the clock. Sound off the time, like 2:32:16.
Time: 1:19:51
